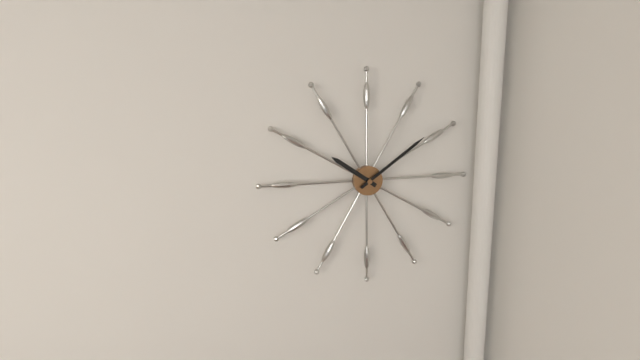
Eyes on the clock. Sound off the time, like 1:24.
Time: 10:09
